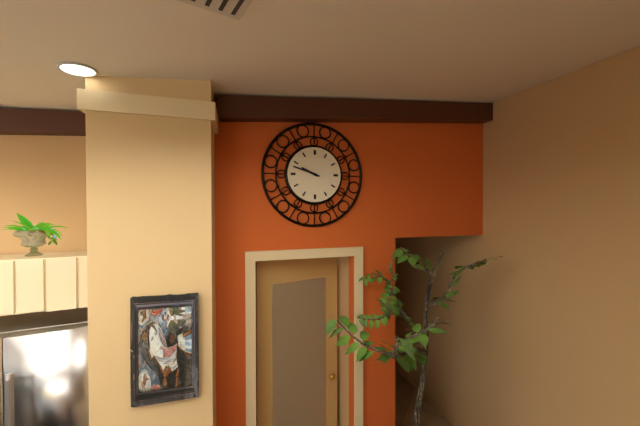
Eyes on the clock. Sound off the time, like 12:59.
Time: 9:48
